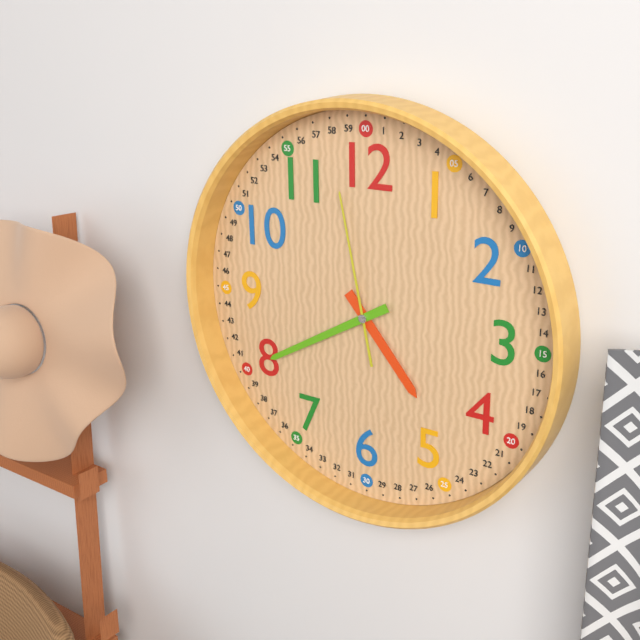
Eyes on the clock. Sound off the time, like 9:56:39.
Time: 4:40:58
